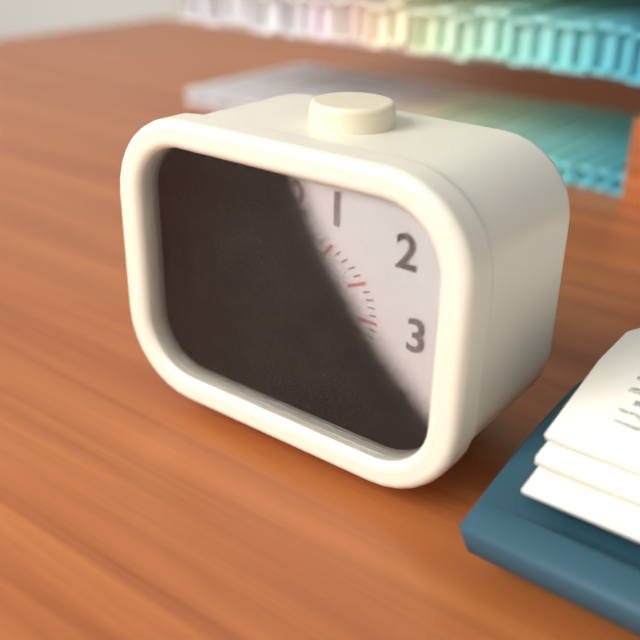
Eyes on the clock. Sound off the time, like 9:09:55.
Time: 10:23:58
